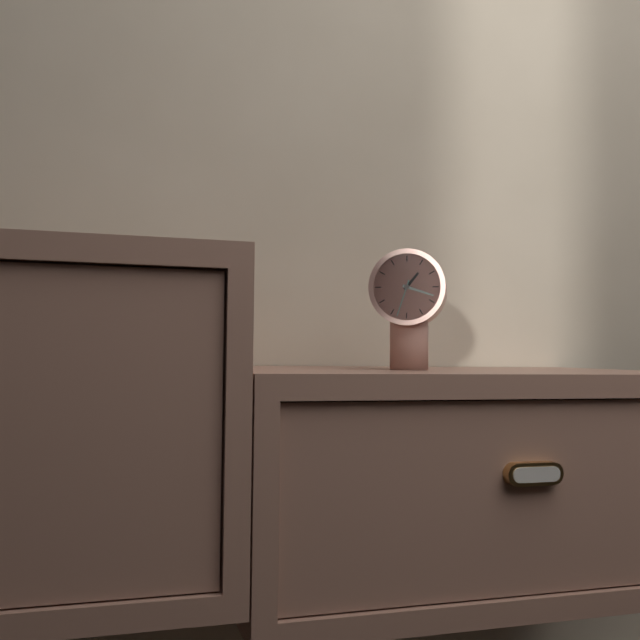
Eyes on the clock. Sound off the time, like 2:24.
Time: 1:18
